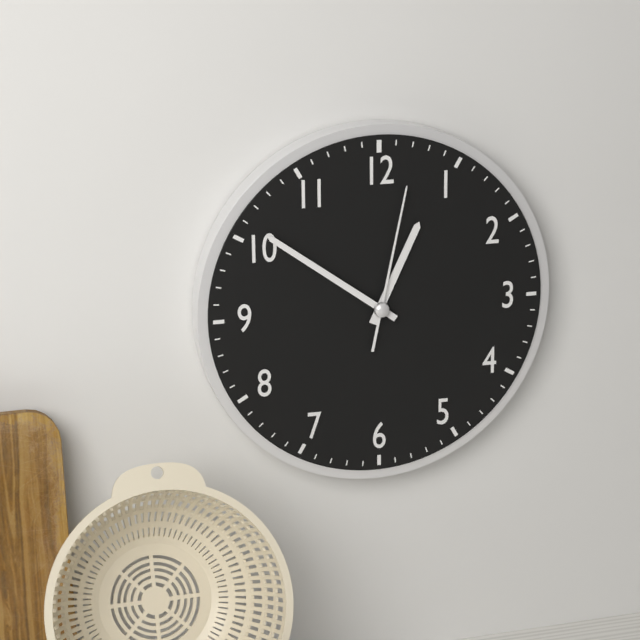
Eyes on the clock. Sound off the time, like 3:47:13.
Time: 12:51:02
